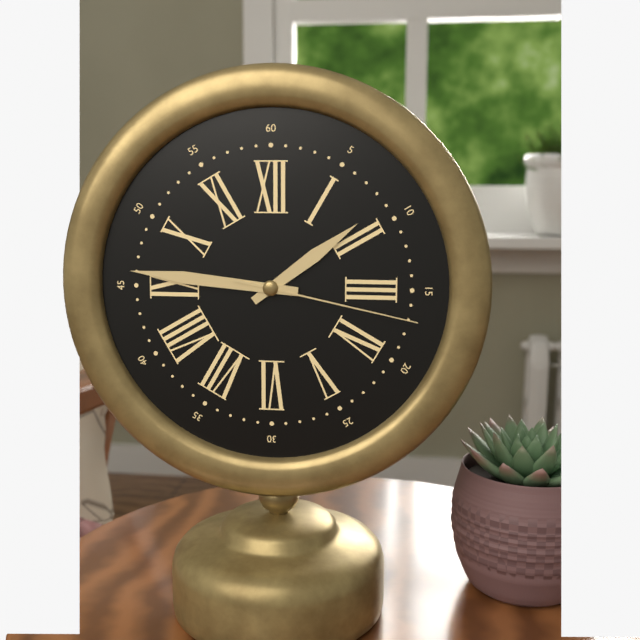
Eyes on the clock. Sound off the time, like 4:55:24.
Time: 1:46:17
